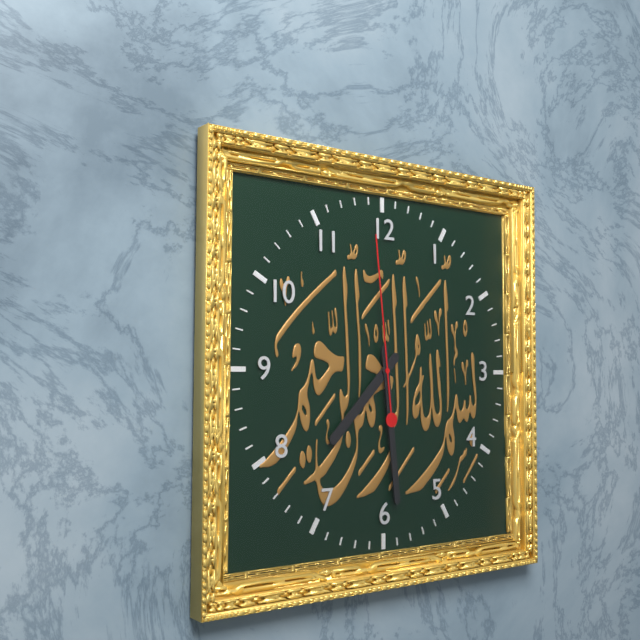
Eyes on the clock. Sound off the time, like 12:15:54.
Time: 7:29:59
